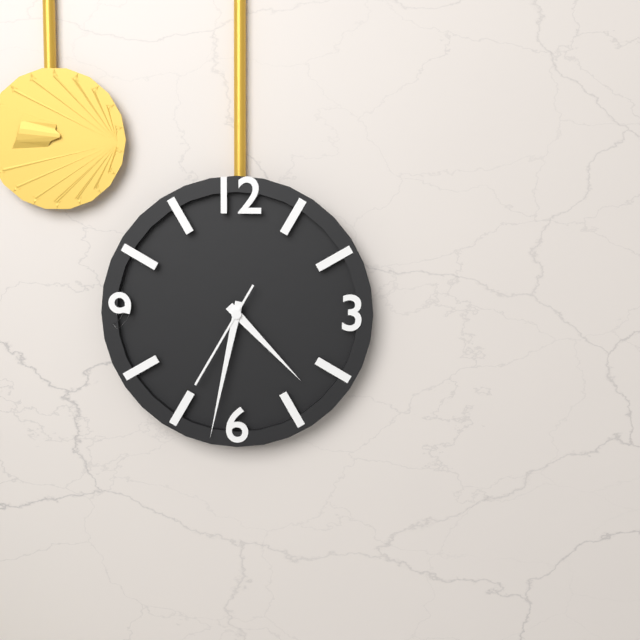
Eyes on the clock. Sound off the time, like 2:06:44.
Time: 4:32:35
